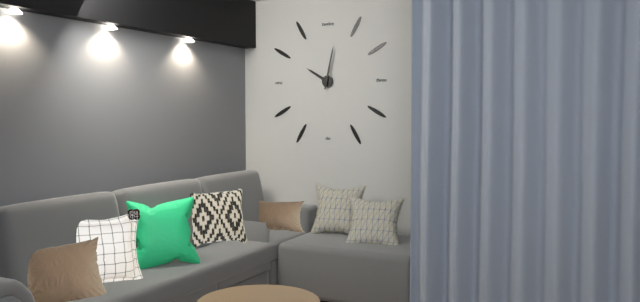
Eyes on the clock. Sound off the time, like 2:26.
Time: 10:02
